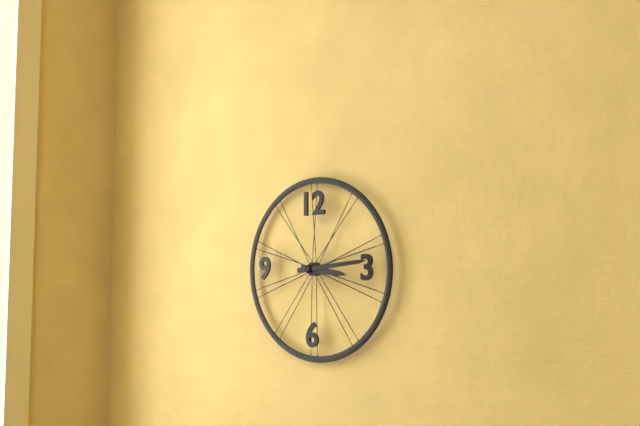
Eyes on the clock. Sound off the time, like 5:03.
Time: 3:14
